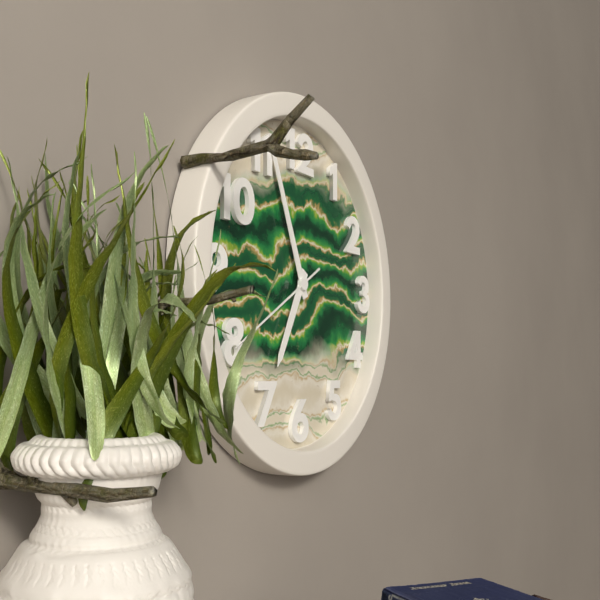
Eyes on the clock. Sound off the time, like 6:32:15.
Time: 6:56:40
